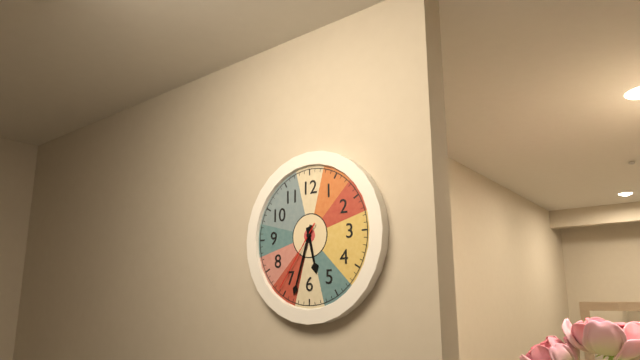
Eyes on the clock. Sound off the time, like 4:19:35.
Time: 5:33:36
